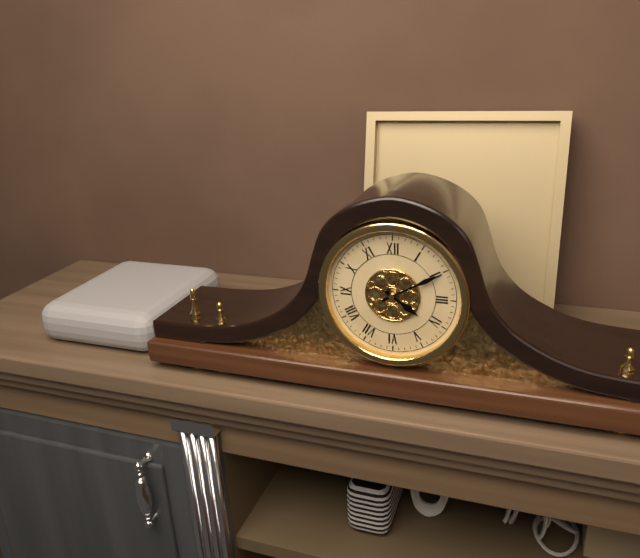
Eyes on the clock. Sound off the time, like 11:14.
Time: 4:10
